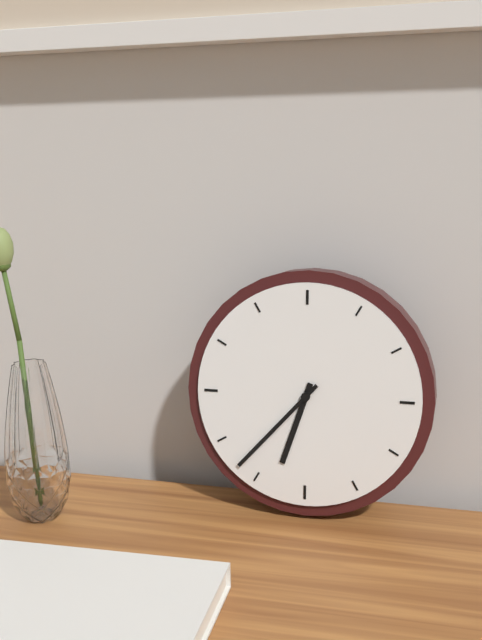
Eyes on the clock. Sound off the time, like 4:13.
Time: 6:37
